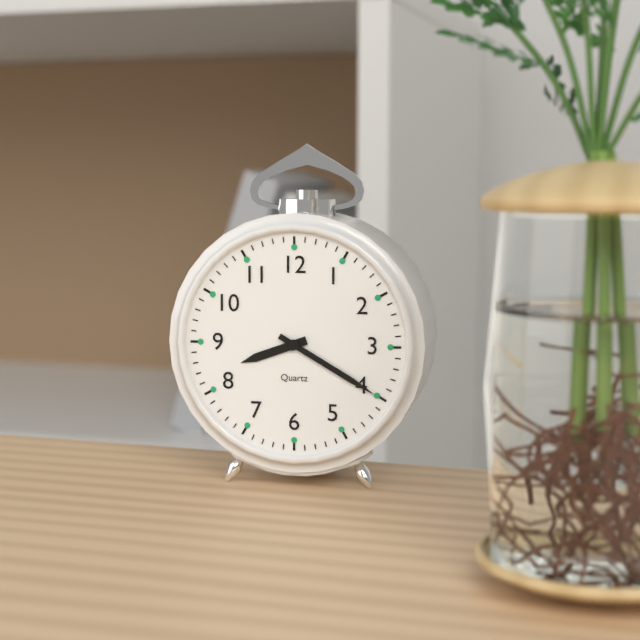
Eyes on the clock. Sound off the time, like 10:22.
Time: 8:20
